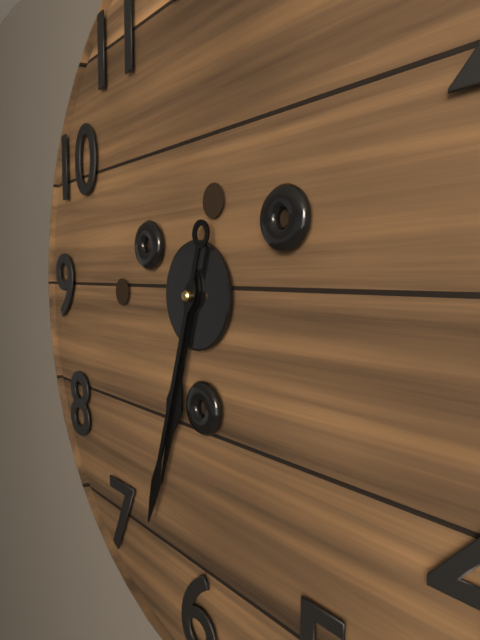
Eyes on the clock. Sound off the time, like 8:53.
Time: 6:33
